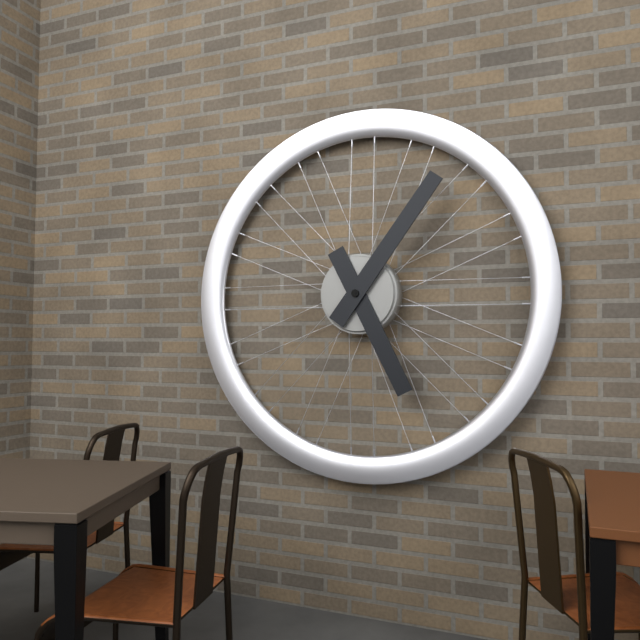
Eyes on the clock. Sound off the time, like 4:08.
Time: 5:06
